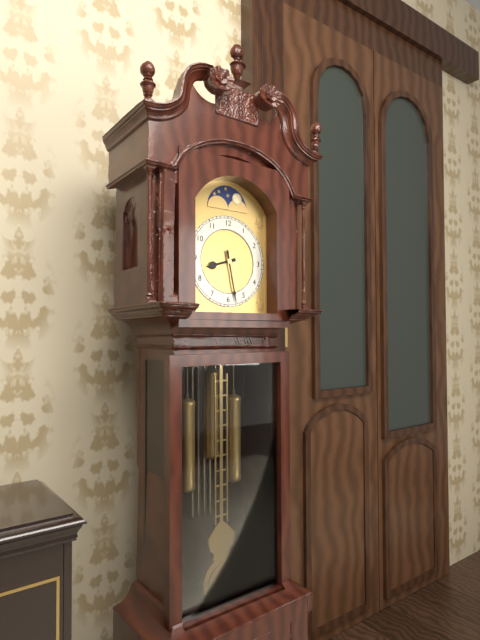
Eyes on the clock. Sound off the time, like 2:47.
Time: 8:28
